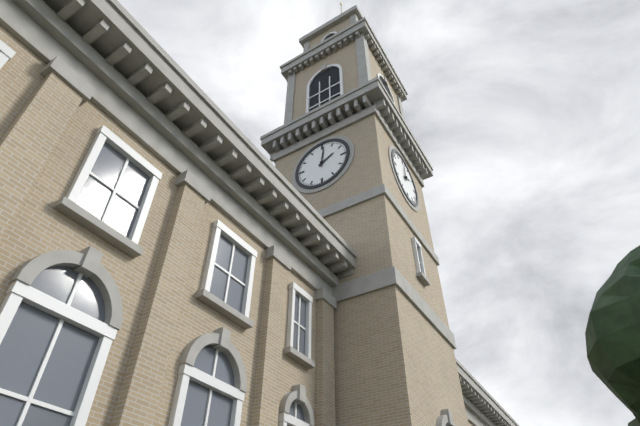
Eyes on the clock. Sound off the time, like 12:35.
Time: 2:01
